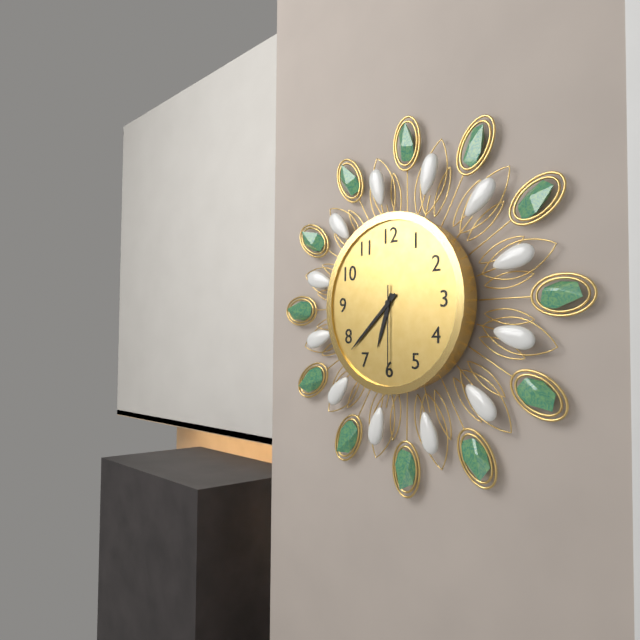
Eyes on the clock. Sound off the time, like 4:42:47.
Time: 6:38:30
